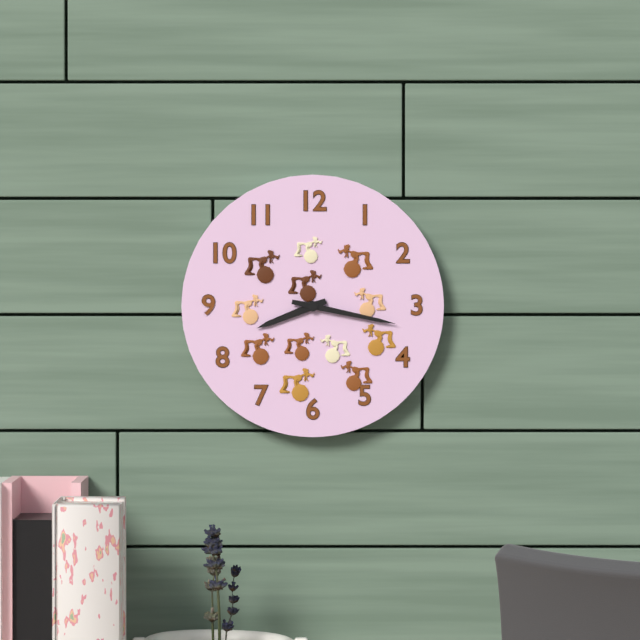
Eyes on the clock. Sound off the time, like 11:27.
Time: 8:17
